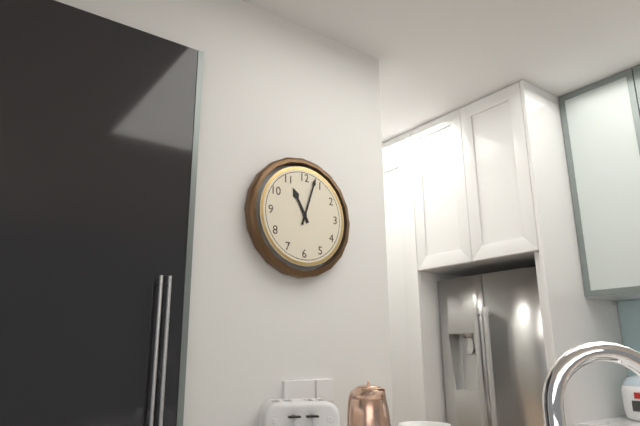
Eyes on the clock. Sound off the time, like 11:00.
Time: 11:03
